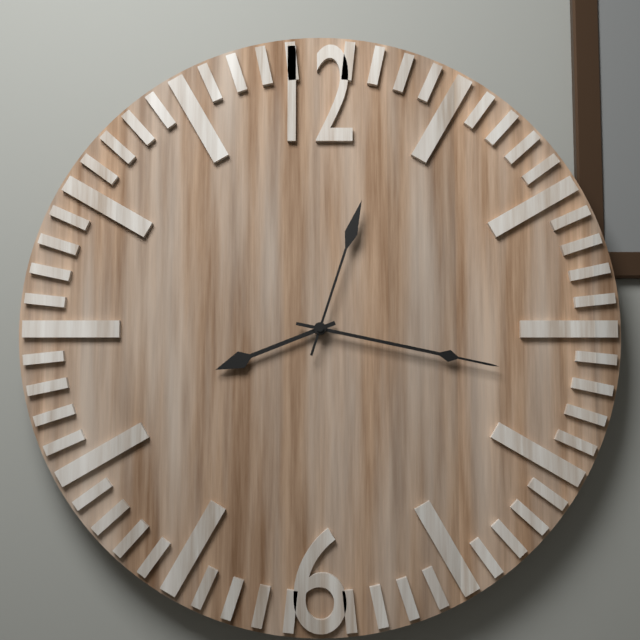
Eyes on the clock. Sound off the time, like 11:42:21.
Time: 8:17:03
